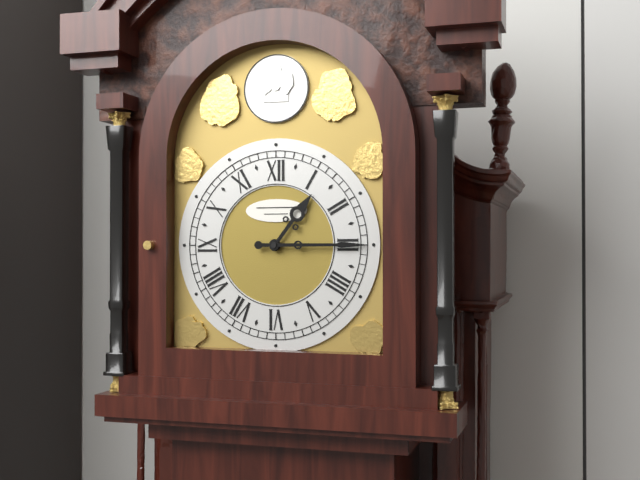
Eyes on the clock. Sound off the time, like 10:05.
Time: 1:15
